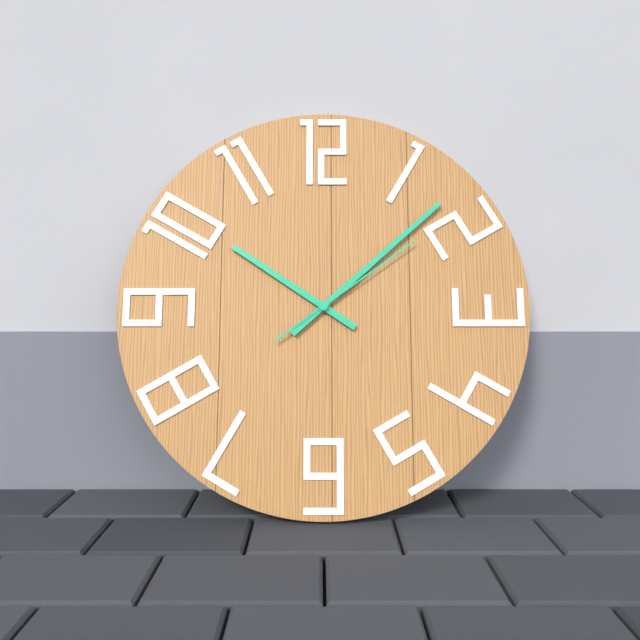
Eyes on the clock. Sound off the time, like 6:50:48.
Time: 10:08:09
